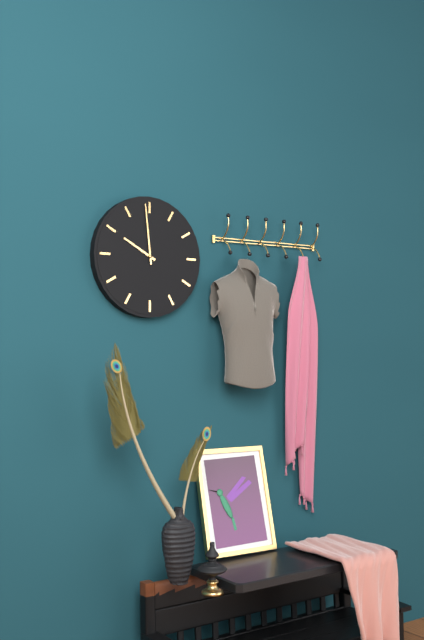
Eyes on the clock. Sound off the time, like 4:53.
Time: 9:59
